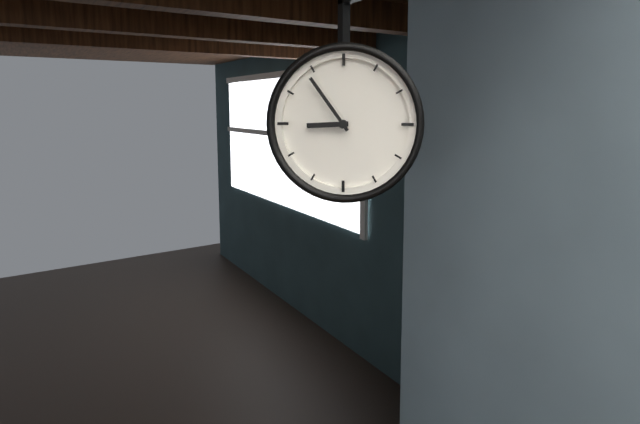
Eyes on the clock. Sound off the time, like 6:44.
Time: 8:54
